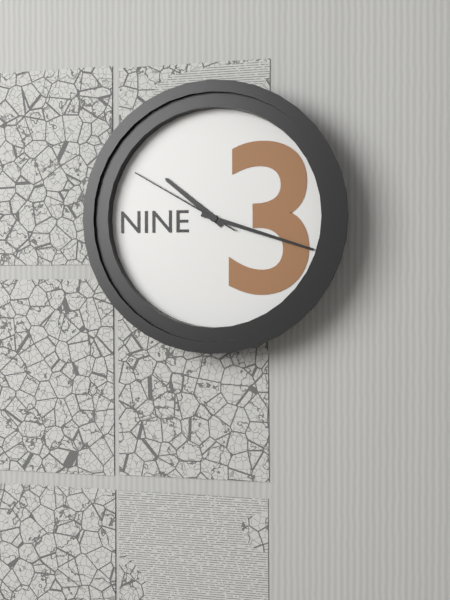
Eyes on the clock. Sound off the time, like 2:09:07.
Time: 10:18:50
